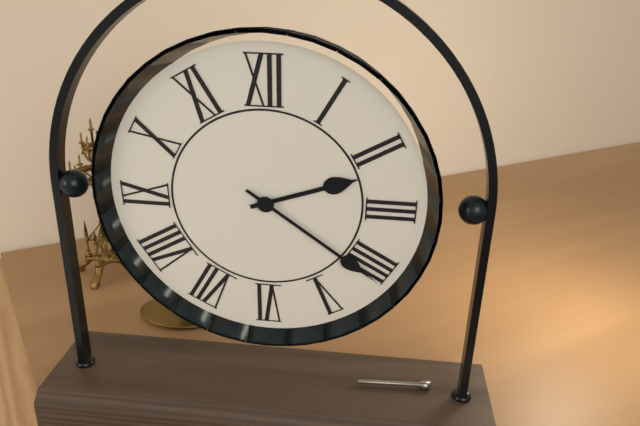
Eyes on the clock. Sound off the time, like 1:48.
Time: 2:21
